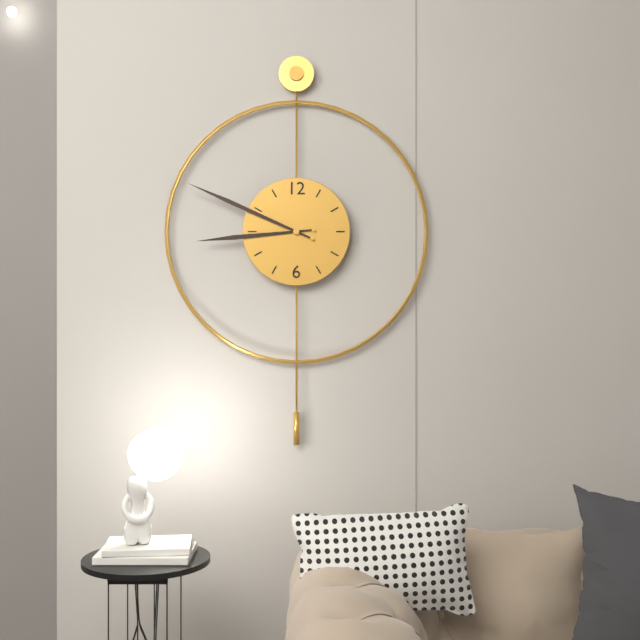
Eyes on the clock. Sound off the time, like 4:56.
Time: 8:49
